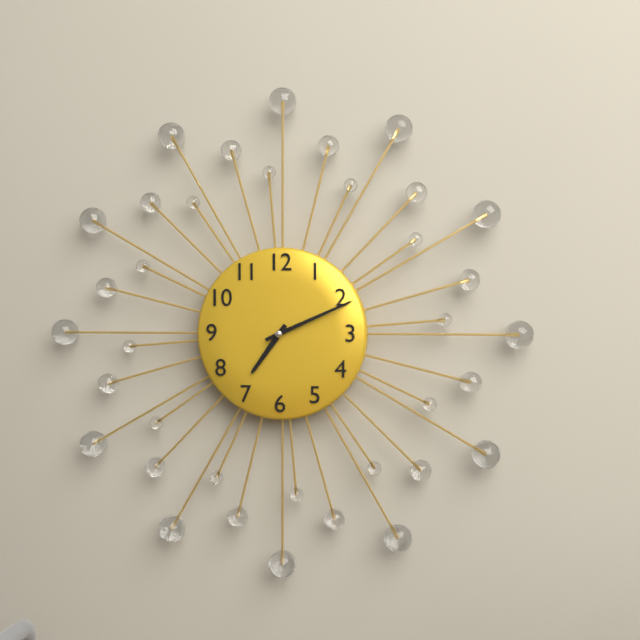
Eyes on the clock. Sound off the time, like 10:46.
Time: 7:11
